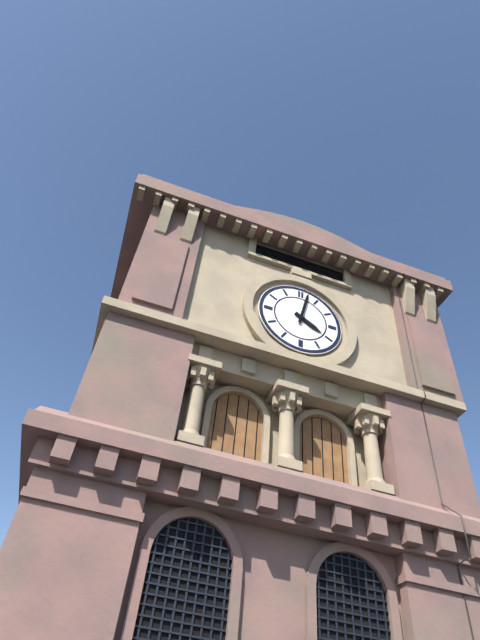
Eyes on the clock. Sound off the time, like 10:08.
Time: 4:02
